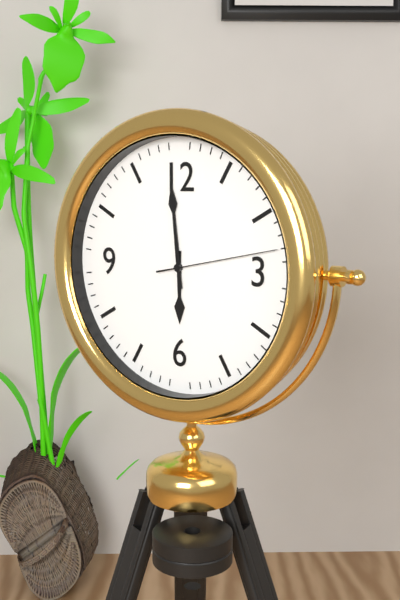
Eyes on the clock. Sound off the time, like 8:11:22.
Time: 5:59:13
